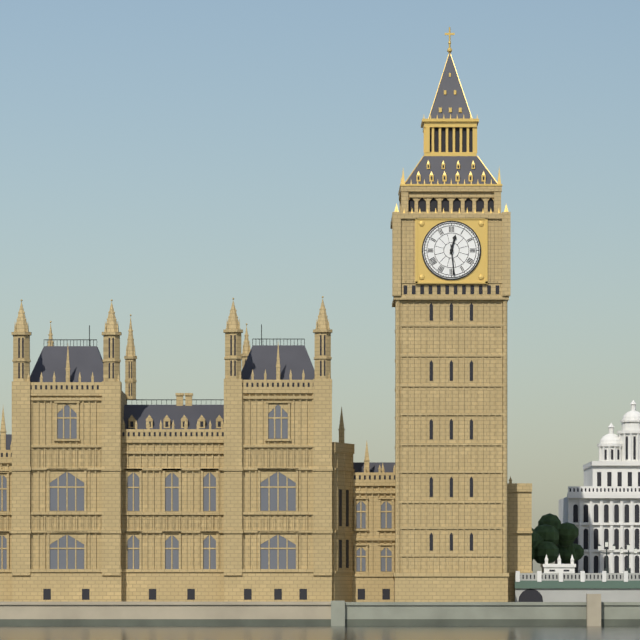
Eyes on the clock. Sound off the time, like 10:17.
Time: 12:29
